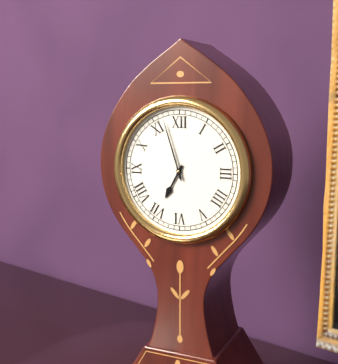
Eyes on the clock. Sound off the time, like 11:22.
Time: 6:57
